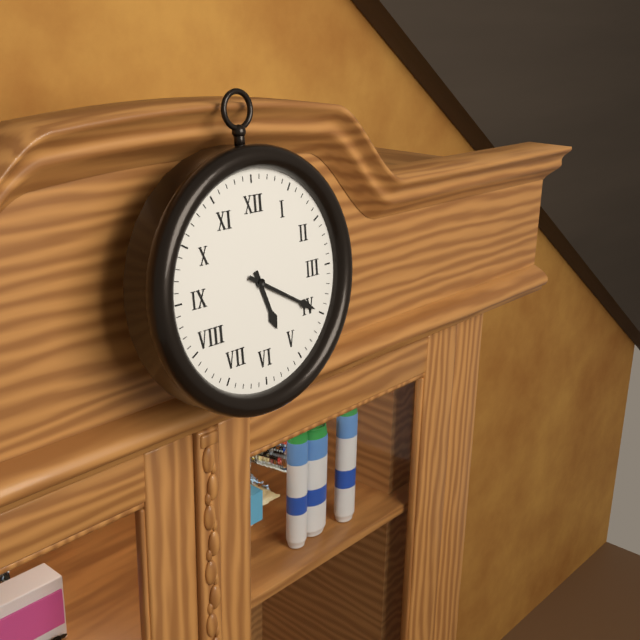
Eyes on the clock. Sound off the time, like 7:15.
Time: 5:20
